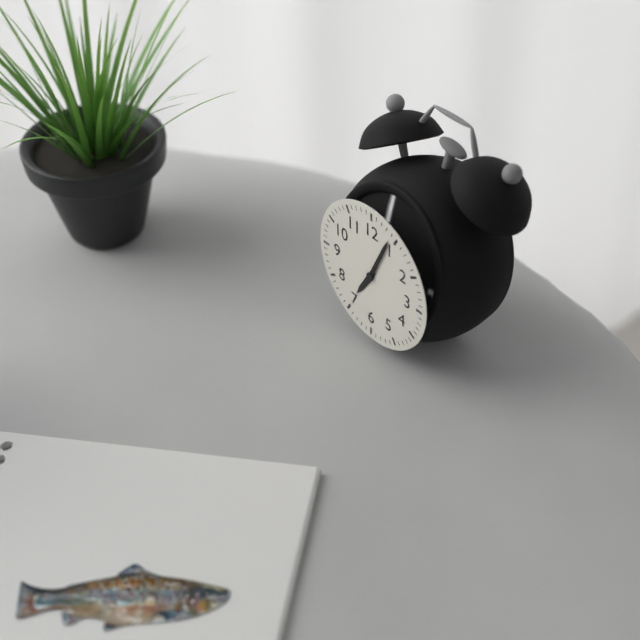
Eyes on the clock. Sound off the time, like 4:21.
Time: 7:04
